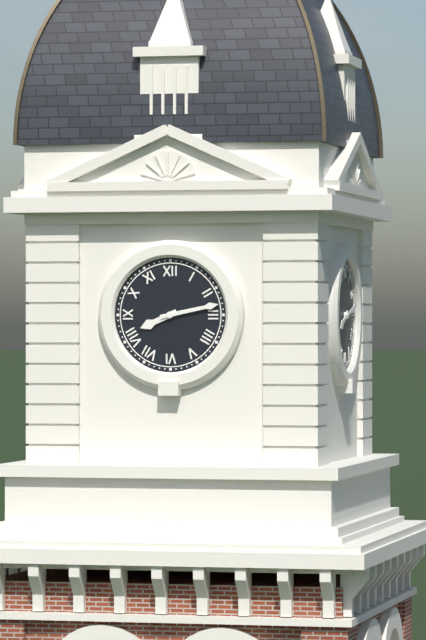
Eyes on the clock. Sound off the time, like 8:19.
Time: 8:13
